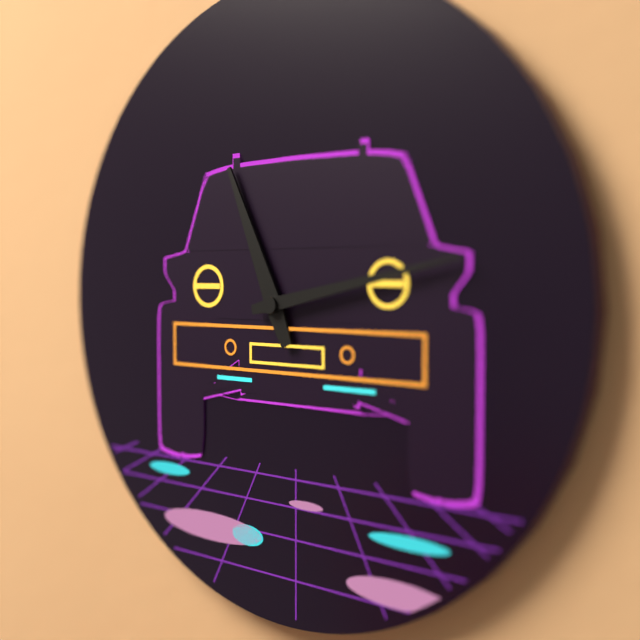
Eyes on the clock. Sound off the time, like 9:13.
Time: 11:13
